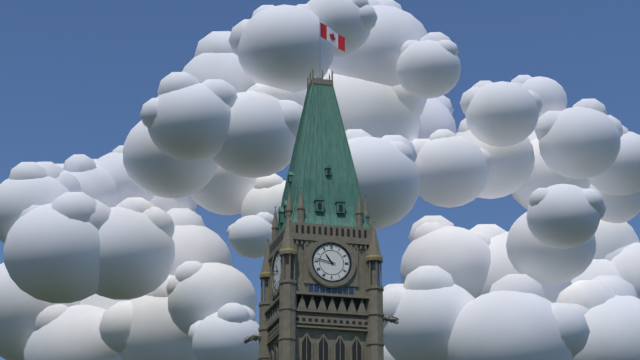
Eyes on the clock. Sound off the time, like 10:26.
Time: 10:47
